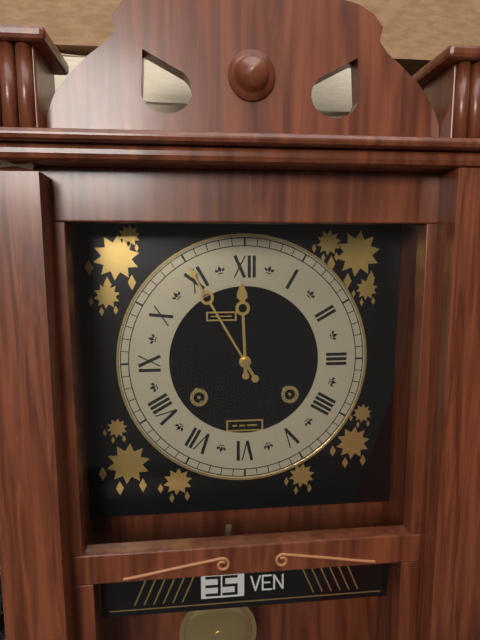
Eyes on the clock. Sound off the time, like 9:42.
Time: 11:55
